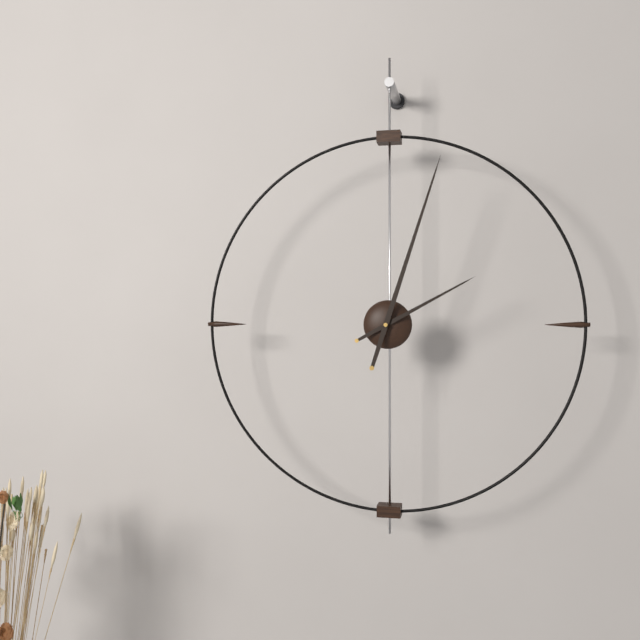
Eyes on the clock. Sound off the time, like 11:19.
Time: 2:03
